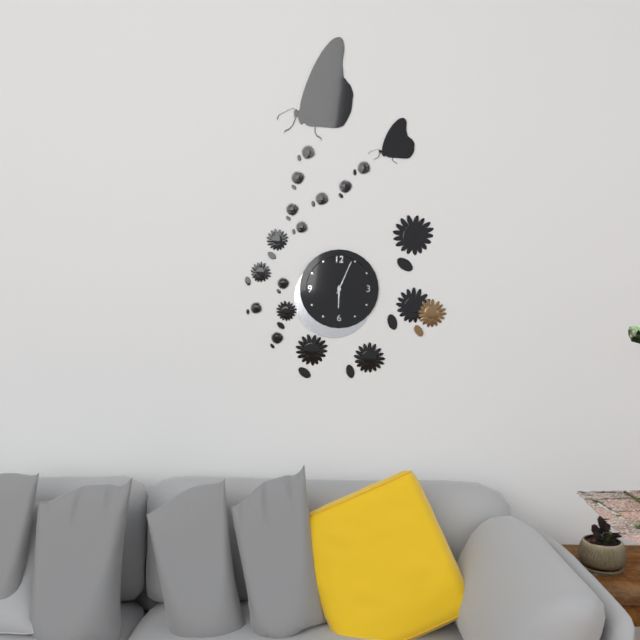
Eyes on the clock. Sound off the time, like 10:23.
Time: 6:04
